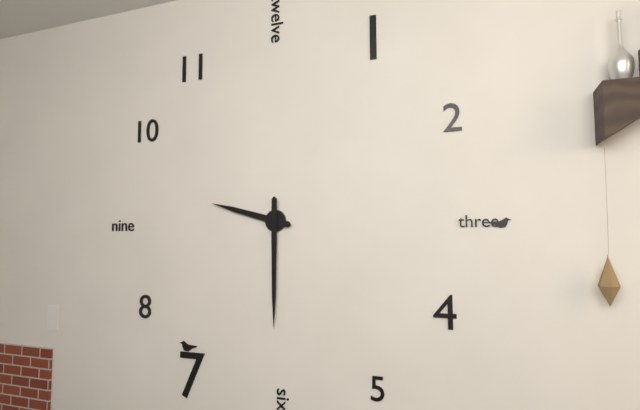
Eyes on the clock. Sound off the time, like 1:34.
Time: 9:30
